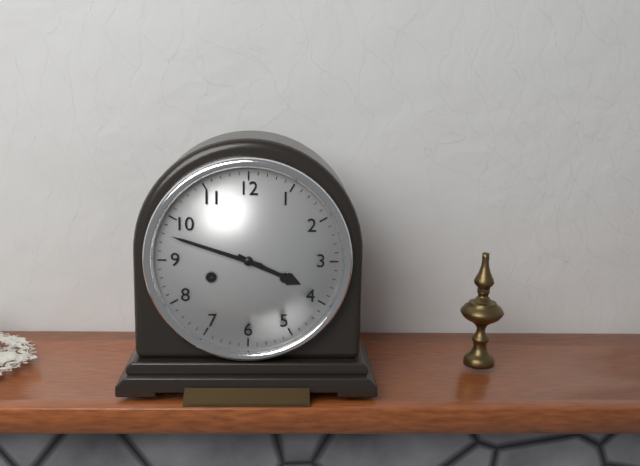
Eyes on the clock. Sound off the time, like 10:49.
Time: 3:48
